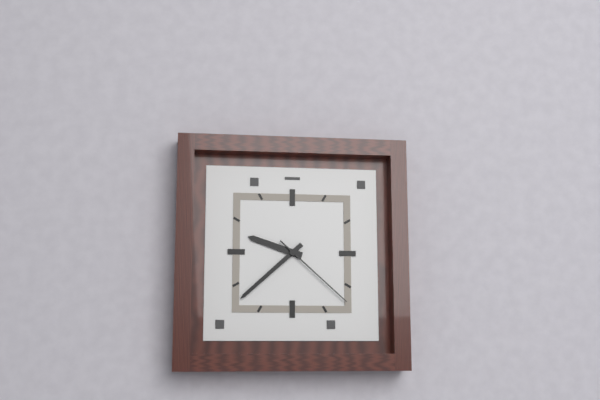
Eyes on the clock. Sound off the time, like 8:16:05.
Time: 9:38:22
